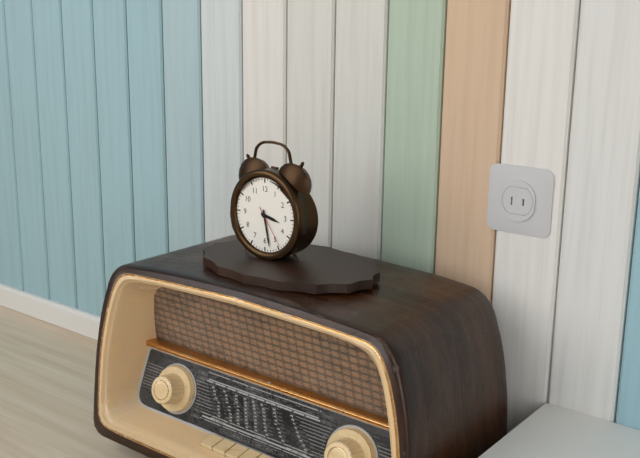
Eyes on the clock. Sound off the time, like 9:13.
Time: 3:28
